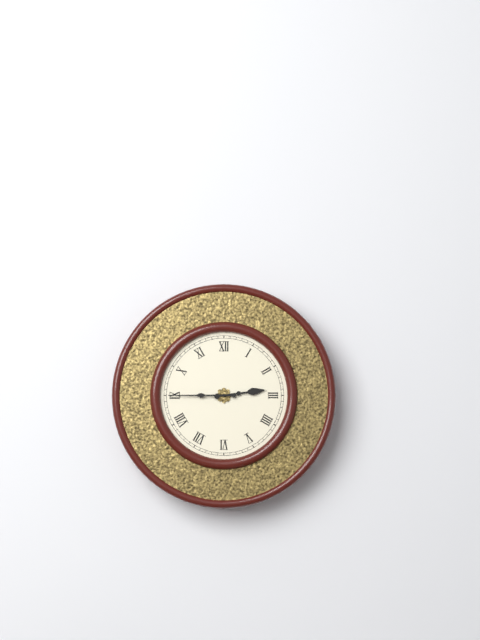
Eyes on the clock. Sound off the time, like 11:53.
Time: 2:45
